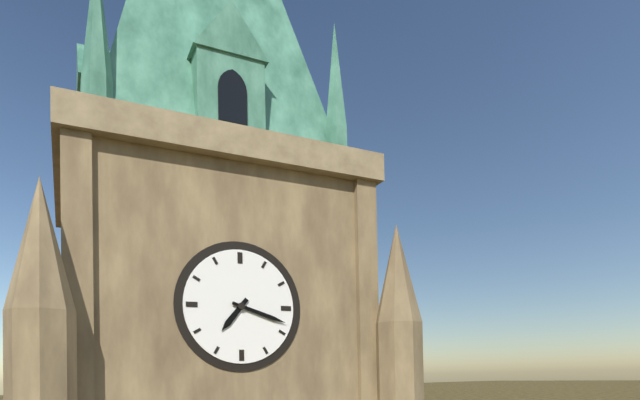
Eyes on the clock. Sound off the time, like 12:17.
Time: 7:18
